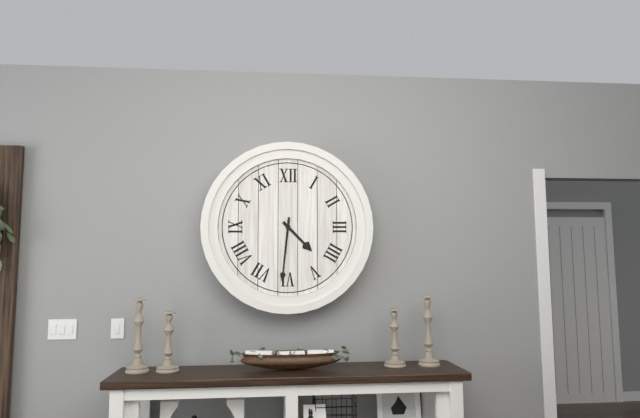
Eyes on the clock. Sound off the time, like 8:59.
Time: 4:31
